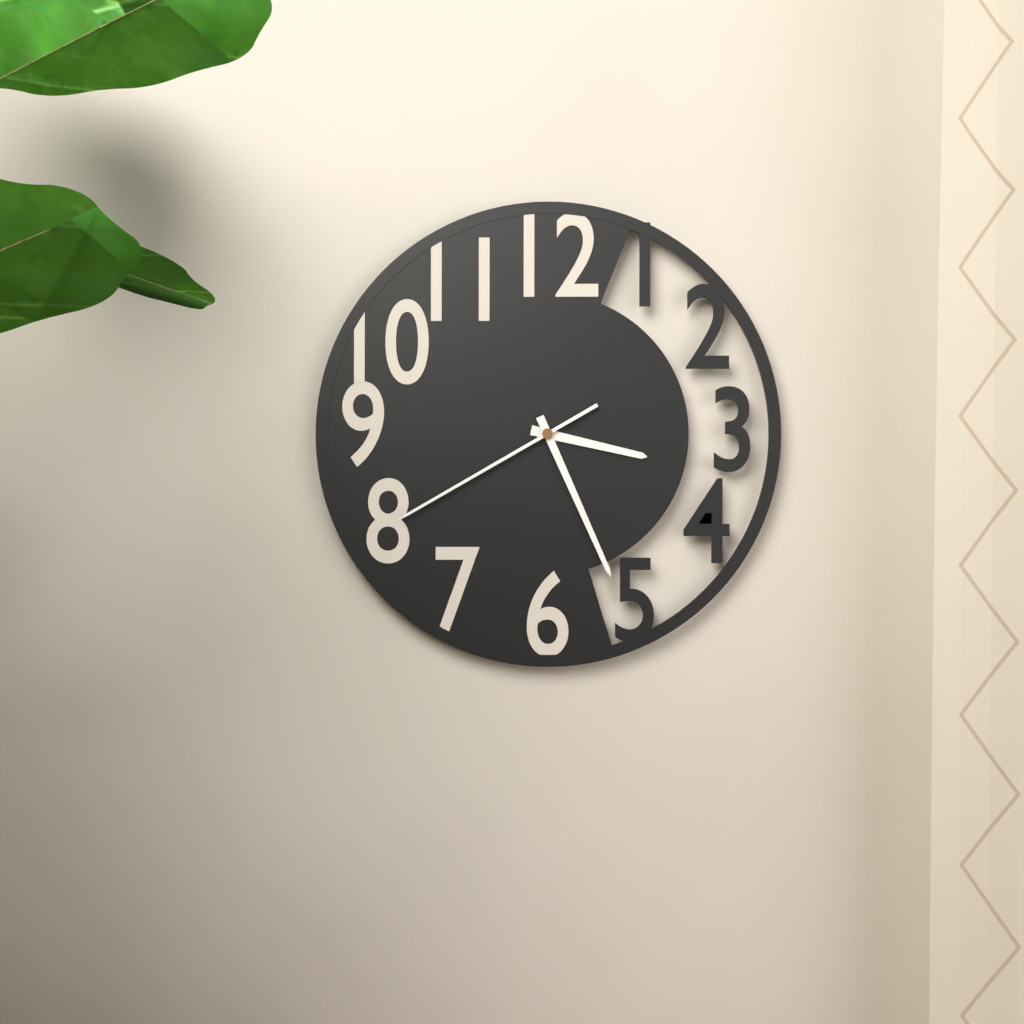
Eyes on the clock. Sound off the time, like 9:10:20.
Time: 3:26:40
